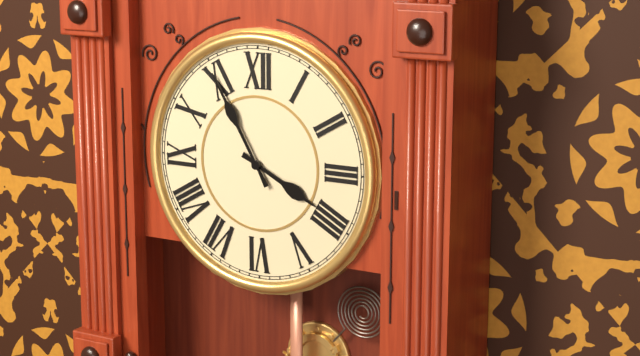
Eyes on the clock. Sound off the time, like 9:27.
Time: 3:55
